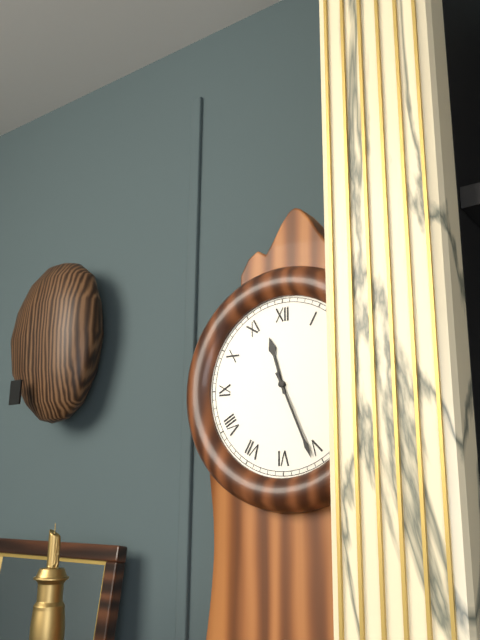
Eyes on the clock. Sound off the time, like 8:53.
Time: 11:26
